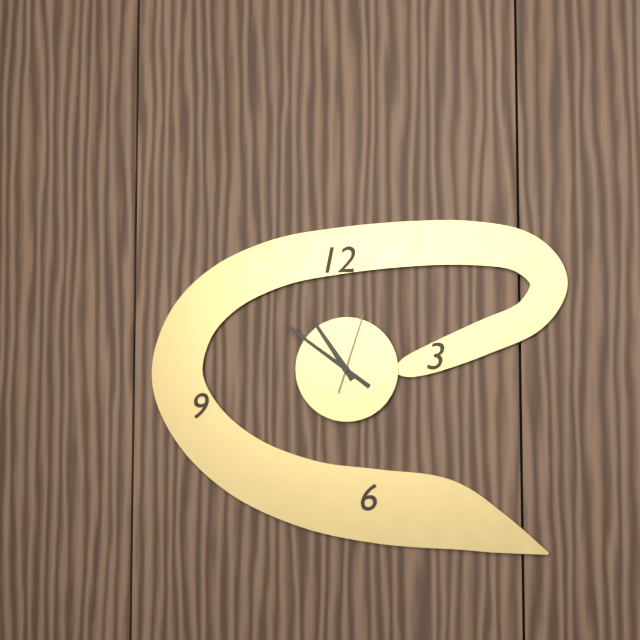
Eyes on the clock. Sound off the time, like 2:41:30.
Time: 10:51:03
